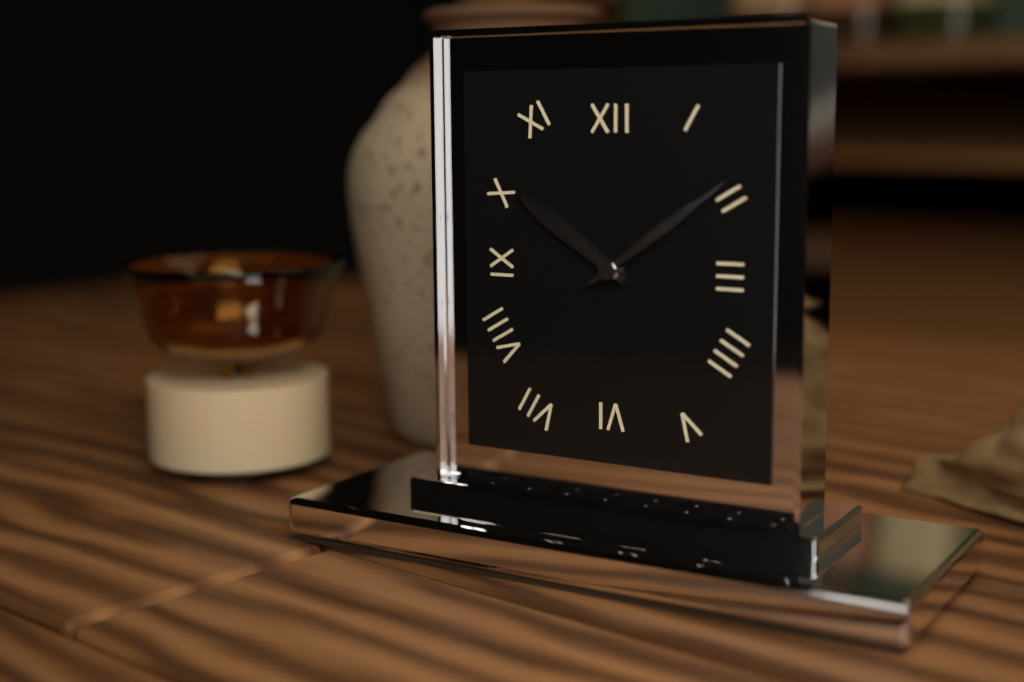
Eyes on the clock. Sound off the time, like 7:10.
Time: 10:09
